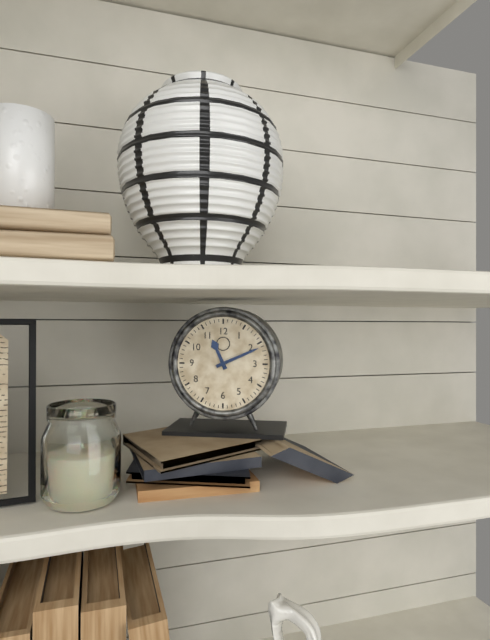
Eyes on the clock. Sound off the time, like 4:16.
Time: 11:11
